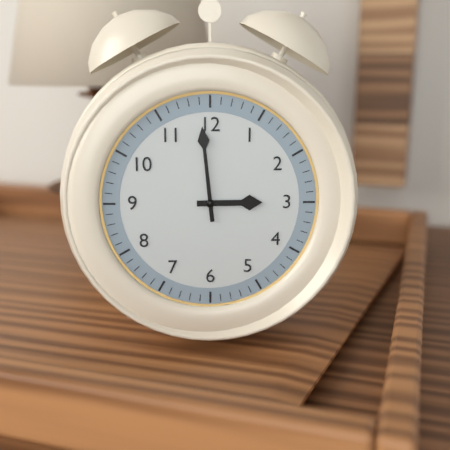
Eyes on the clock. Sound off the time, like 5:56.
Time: 2:59
